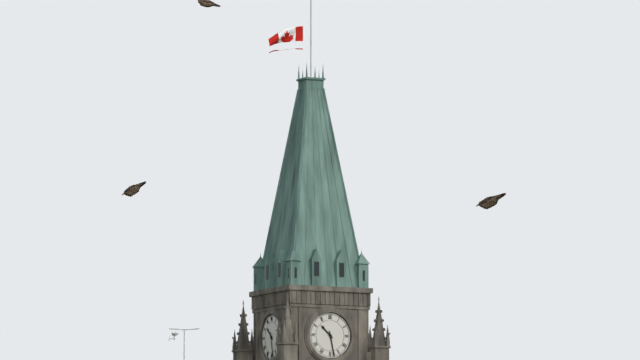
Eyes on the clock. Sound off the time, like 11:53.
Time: 10:28
